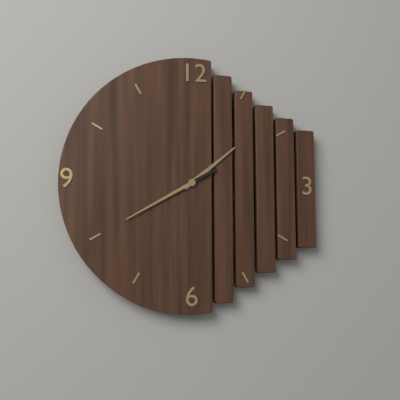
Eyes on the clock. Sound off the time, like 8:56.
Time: 1:40
